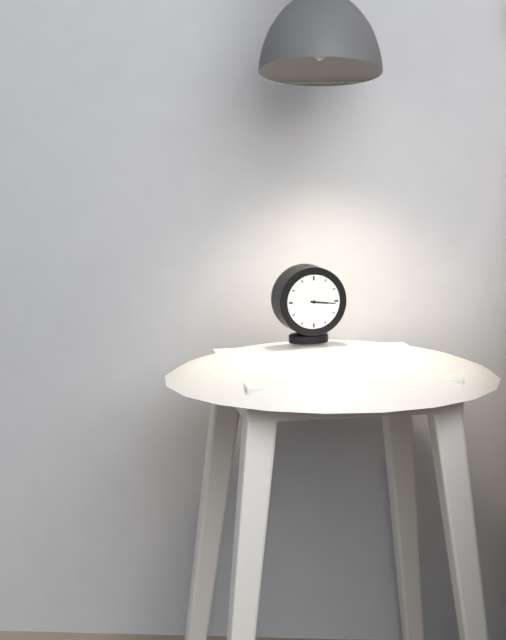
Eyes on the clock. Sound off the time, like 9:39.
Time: 3:16
